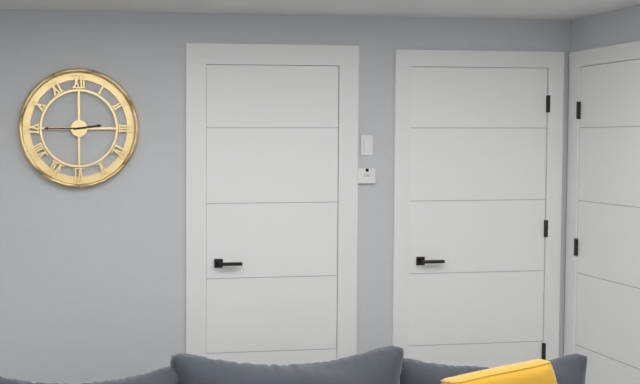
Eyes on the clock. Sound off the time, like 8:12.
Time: 2:45
